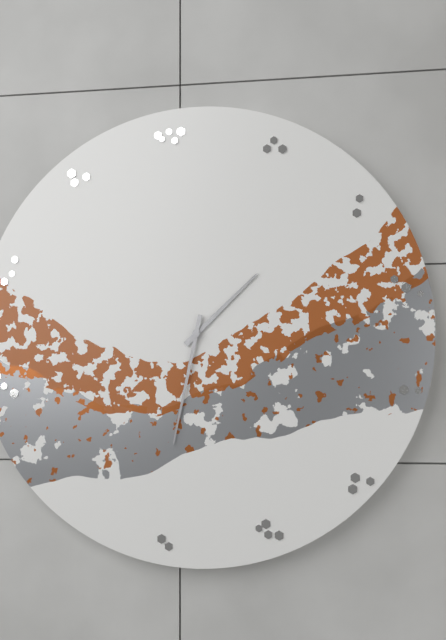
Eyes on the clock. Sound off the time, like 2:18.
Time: 1:32
